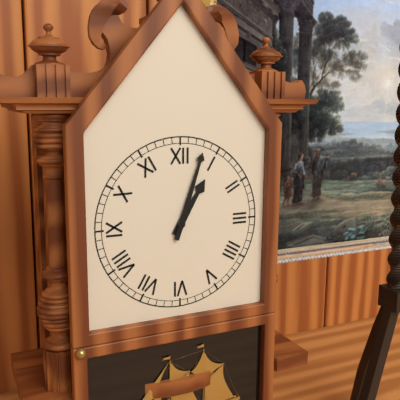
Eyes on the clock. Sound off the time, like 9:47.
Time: 1:03
